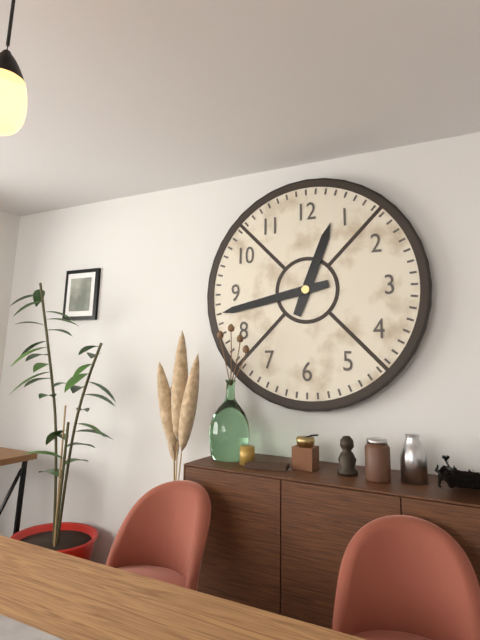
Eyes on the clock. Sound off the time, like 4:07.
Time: 12:43
